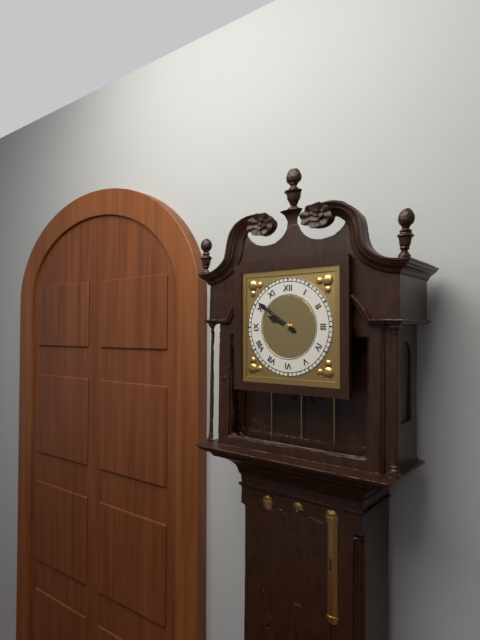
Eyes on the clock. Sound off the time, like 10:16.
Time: 9:51
